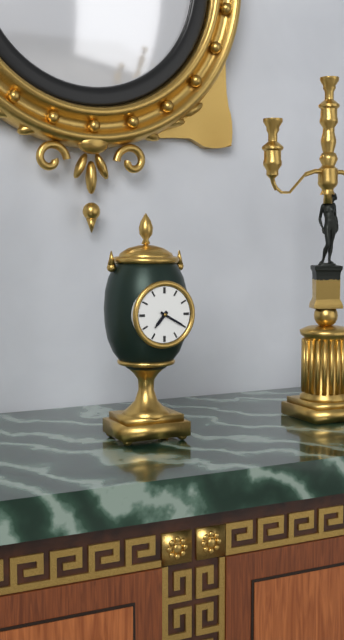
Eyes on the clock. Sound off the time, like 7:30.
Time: 7:20
